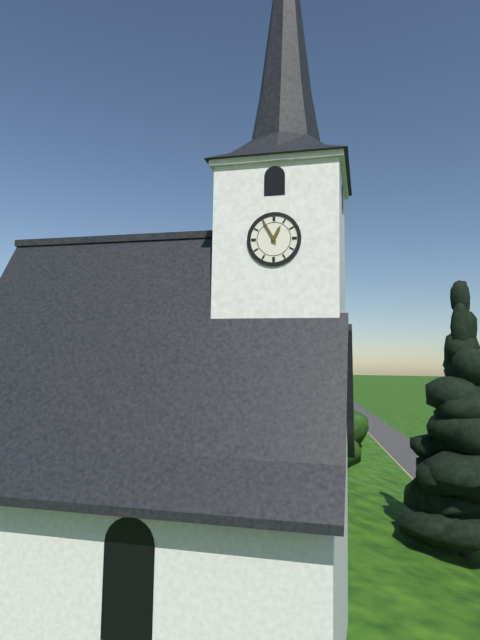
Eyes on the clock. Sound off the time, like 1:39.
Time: 12:55
